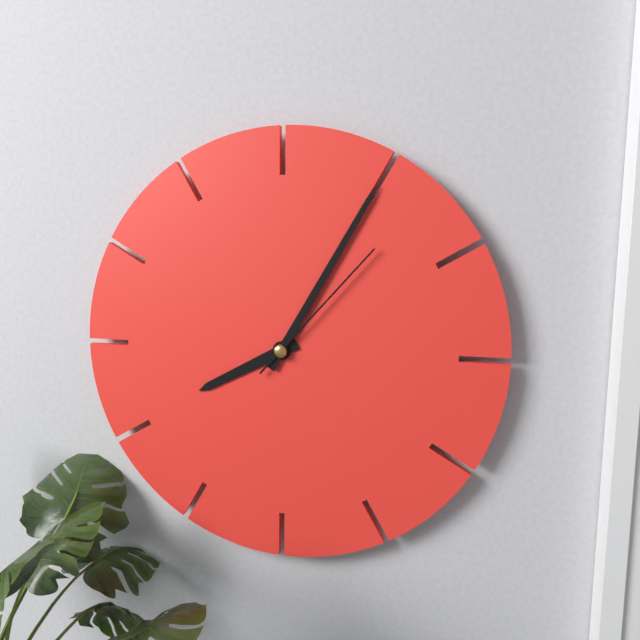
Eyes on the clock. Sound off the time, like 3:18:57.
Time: 8:05:07
